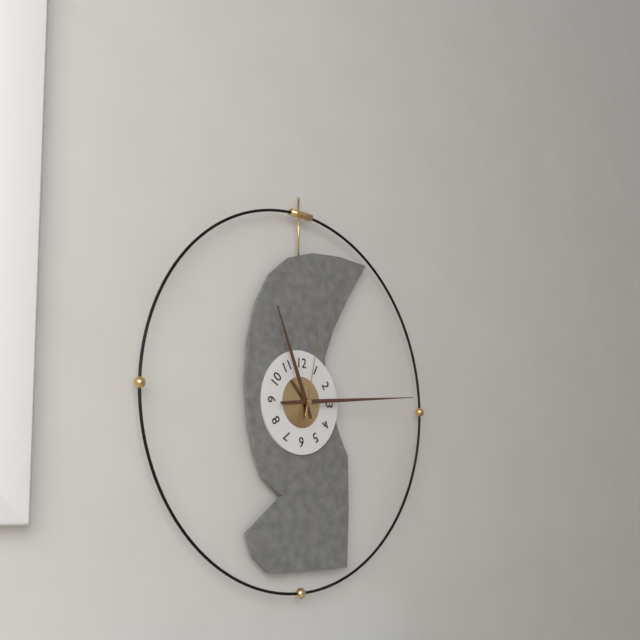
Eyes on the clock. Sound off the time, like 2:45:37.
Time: 11:14:02
